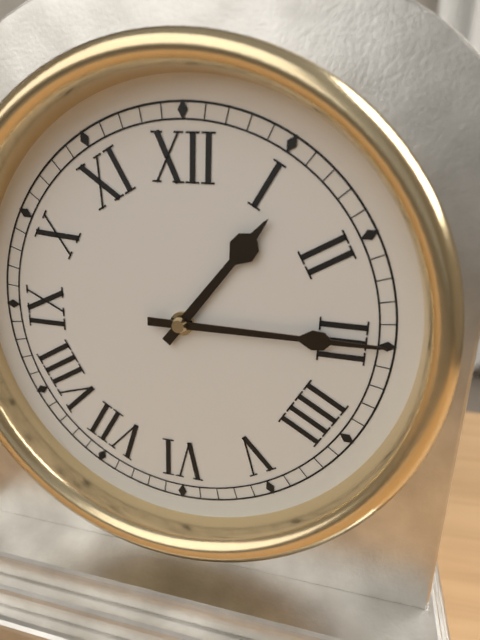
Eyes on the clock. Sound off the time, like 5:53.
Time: 1:15
